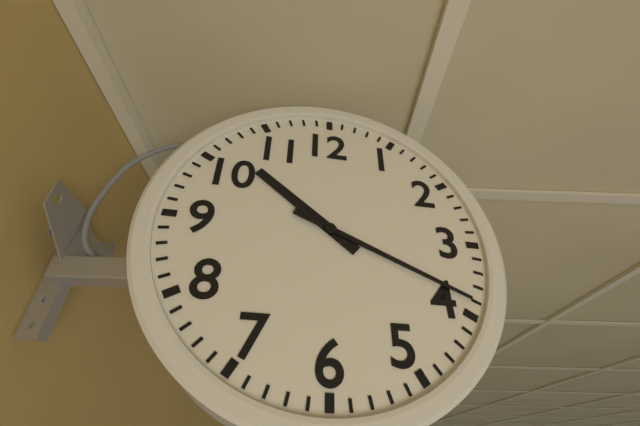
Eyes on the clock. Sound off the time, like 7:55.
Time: 10:19
